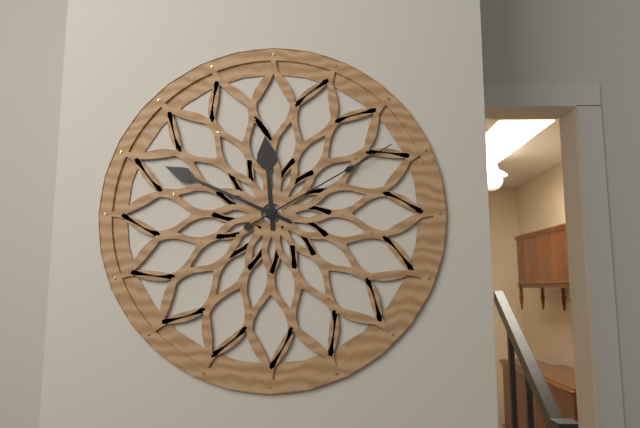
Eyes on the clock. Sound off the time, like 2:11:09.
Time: 11:49:10
